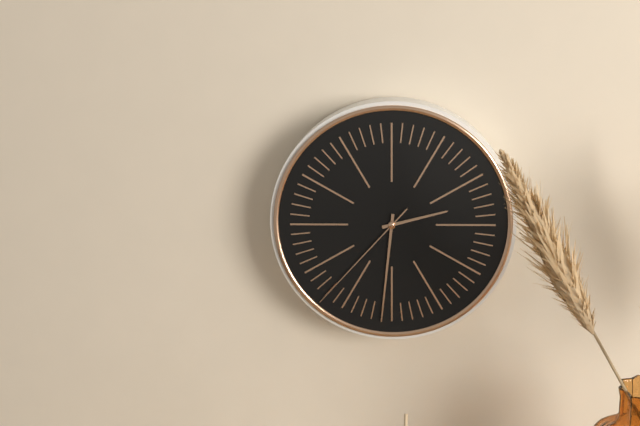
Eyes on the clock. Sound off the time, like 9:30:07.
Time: 2:31:37
